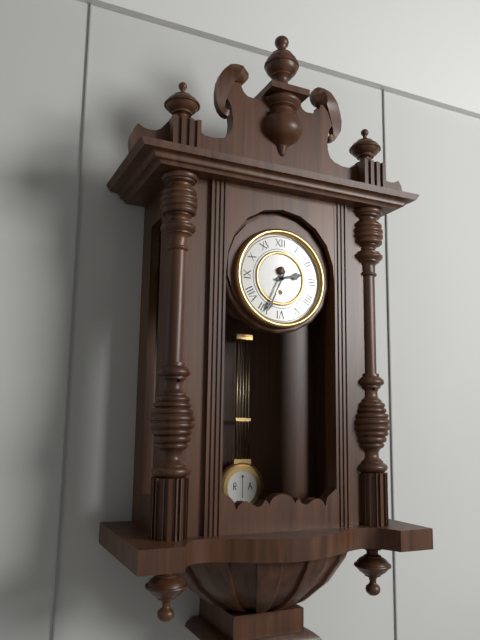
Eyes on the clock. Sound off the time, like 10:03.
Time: 2:34
